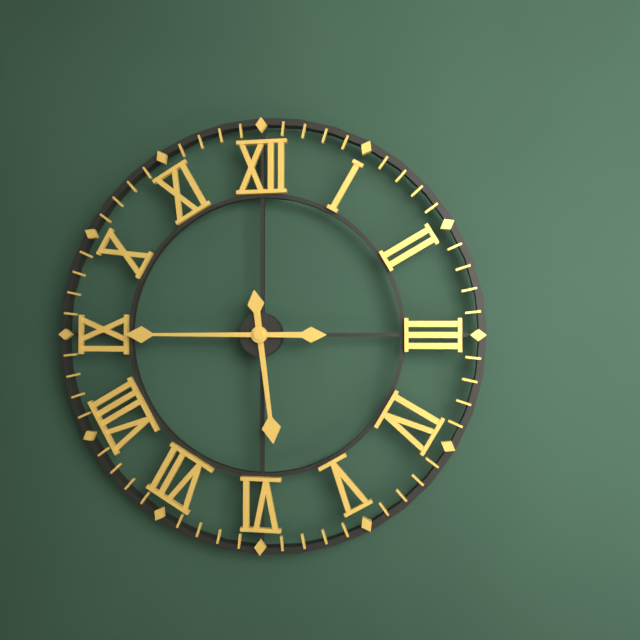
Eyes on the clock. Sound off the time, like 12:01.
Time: 5:45
